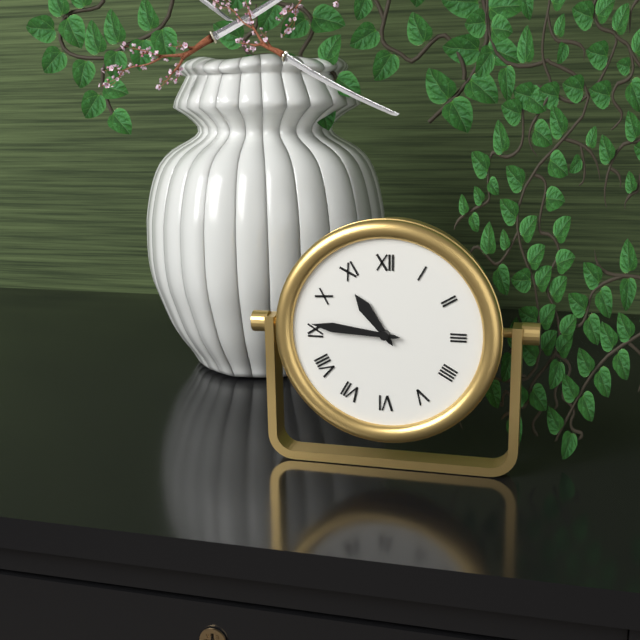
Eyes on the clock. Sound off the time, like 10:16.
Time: 10:46
